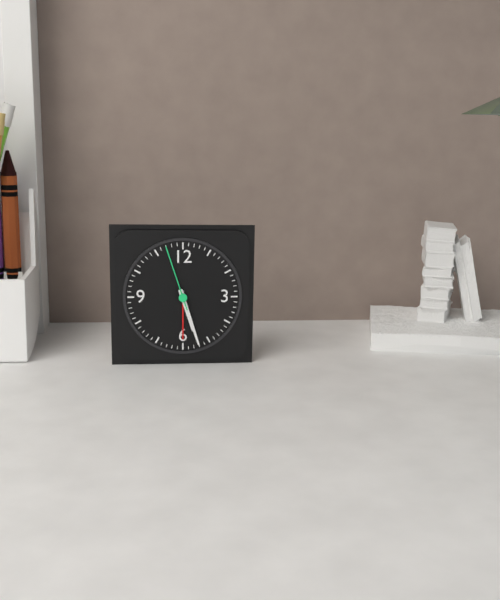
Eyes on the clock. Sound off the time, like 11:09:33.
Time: 5:27:57
